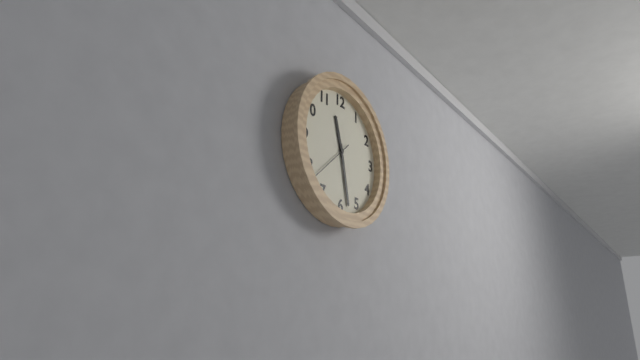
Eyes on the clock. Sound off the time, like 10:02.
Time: 11:28
